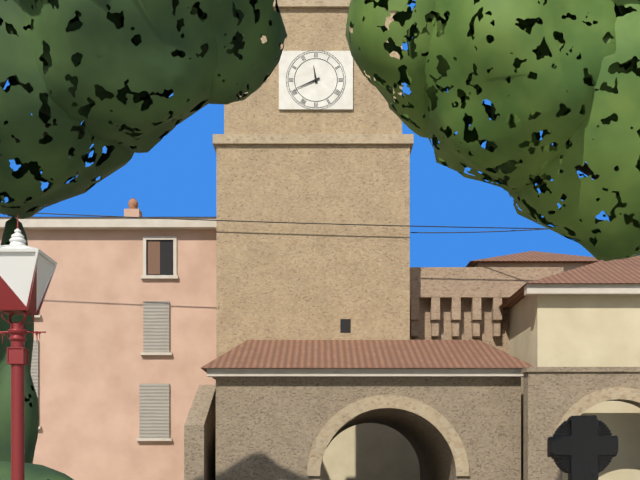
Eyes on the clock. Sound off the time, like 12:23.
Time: 11:41
